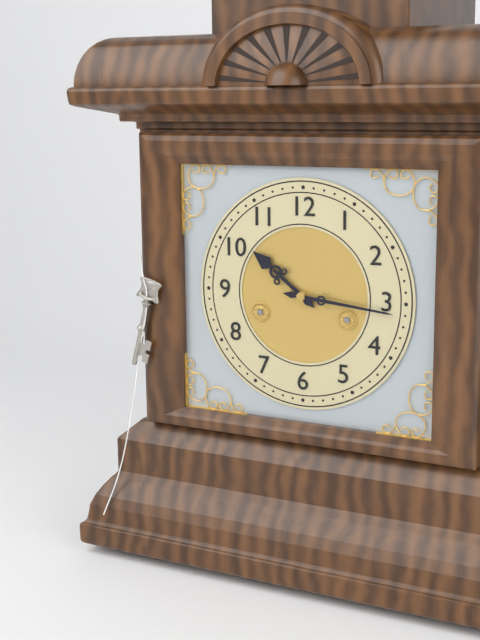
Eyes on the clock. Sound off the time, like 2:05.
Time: 10:16
